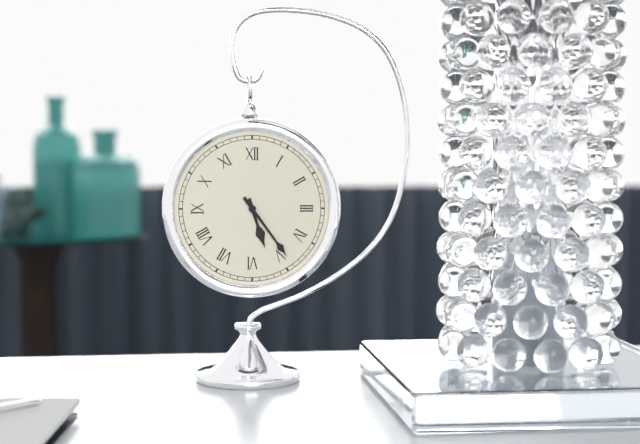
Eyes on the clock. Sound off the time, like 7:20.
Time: 5:24
